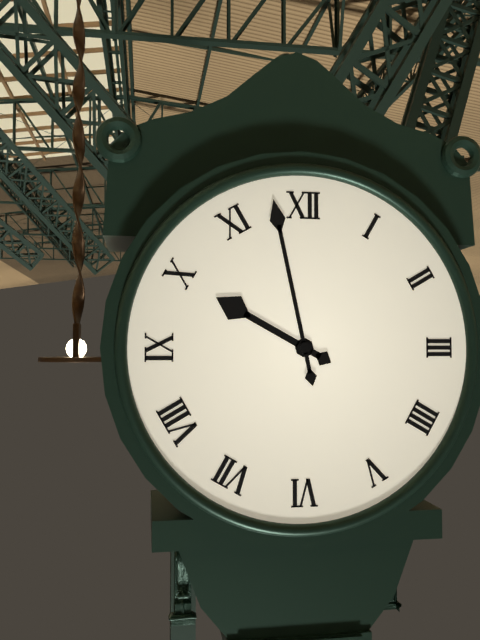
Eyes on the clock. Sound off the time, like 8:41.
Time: 9:58
